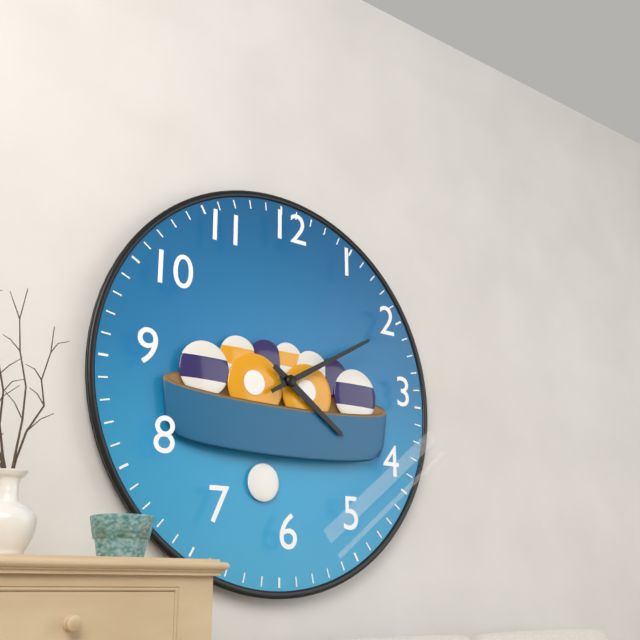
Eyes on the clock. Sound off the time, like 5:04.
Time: 4:10
